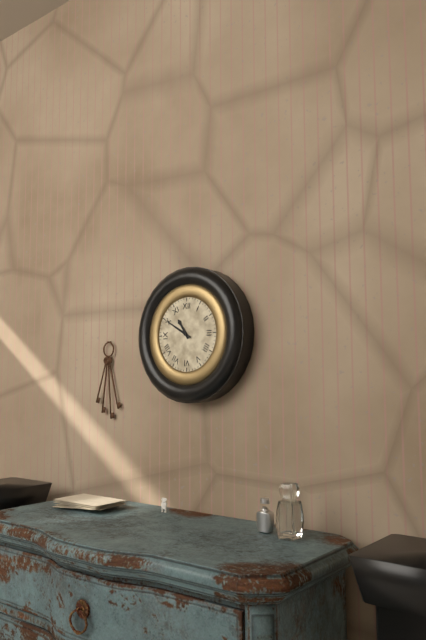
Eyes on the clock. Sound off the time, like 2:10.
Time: 10:50
